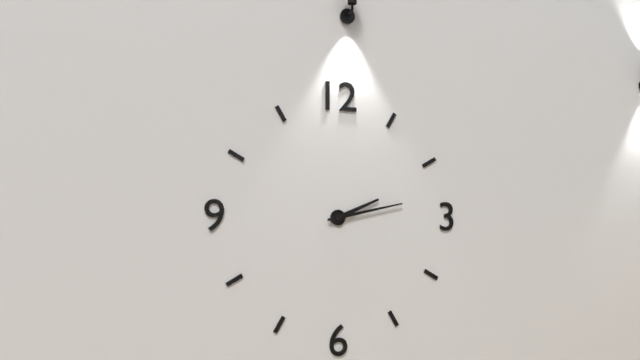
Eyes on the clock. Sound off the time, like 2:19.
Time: 2:13
